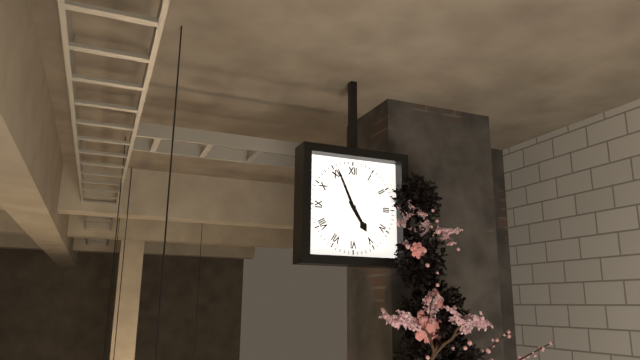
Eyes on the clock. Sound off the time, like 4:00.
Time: 4:56
